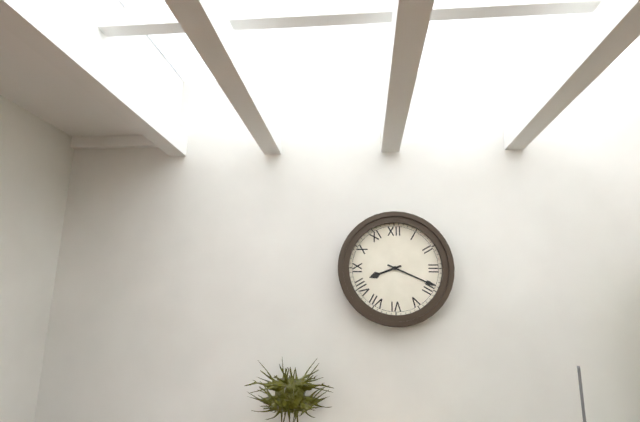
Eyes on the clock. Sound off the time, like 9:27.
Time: 8:19
